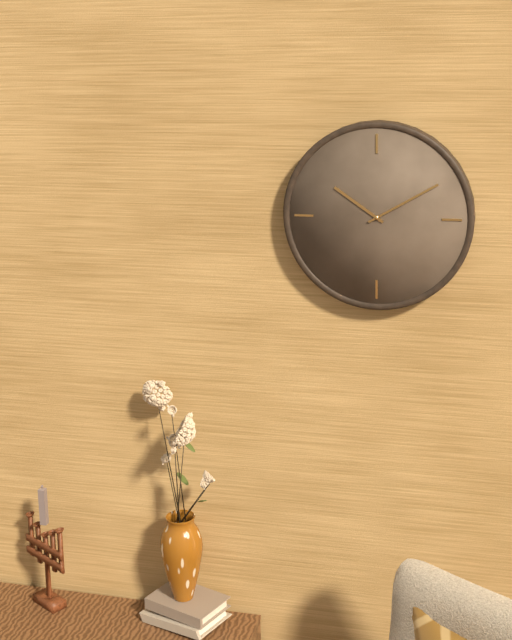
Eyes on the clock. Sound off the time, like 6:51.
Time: 10:10
